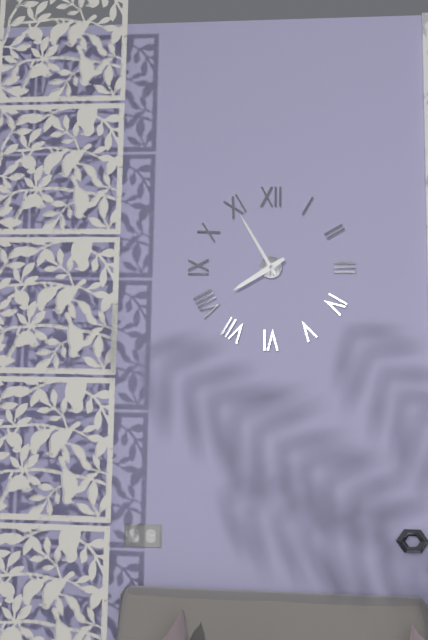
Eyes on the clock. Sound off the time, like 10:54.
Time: 7:55
